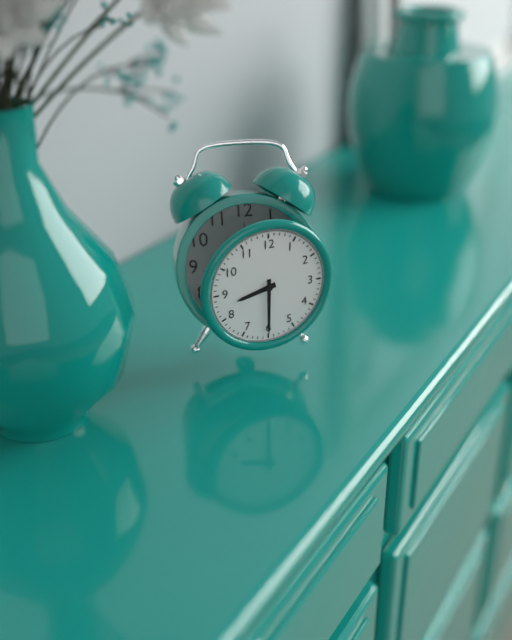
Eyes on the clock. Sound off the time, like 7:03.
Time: 8:30
